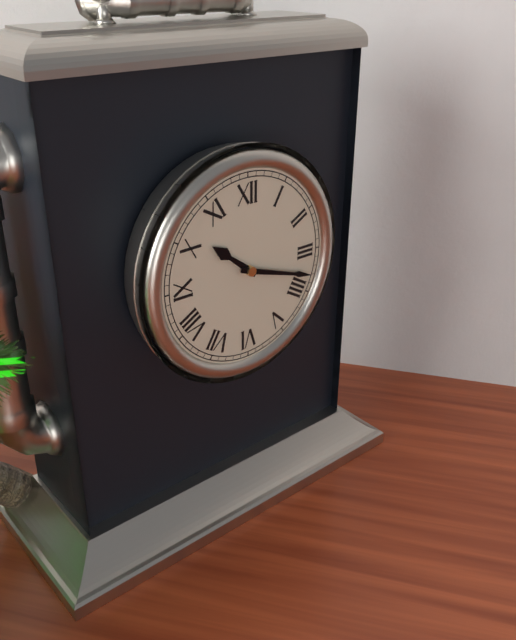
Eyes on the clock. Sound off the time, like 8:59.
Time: 10:18
